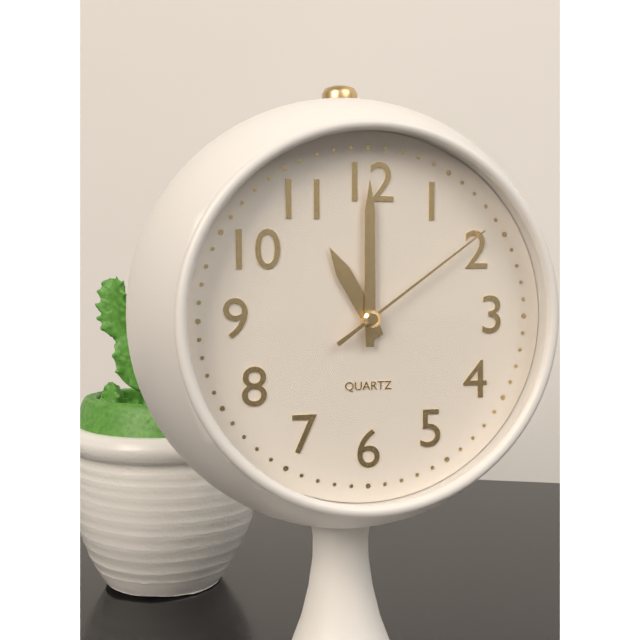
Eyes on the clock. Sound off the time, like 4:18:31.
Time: 11:00:09
